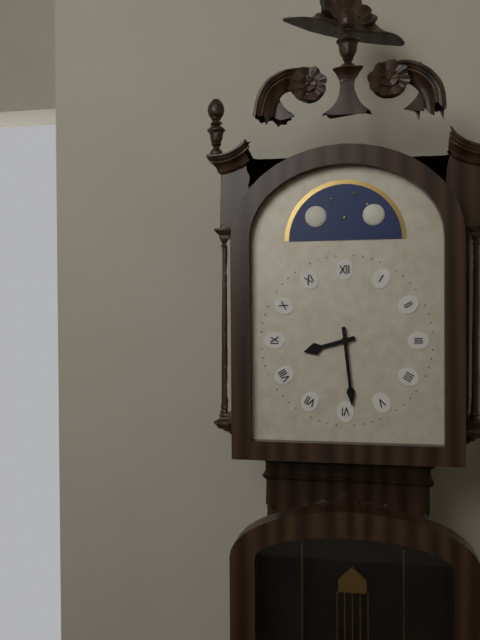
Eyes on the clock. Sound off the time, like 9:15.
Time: 8:29
